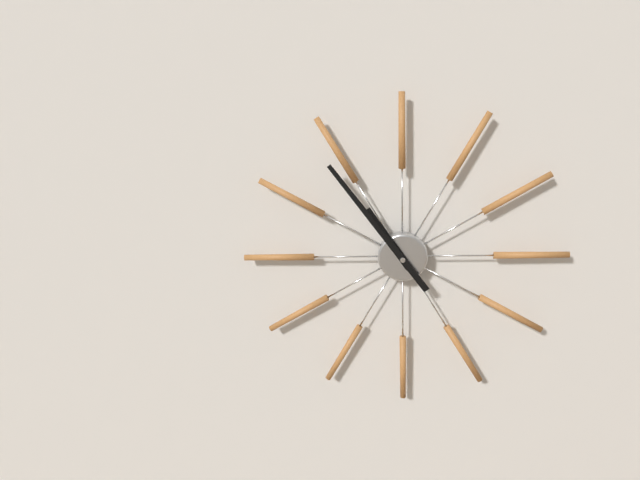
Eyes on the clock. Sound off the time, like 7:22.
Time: 10:54
